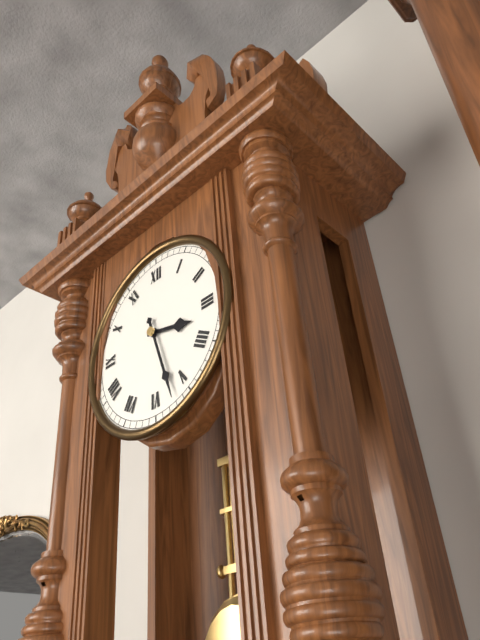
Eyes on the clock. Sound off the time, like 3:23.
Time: 3:27
